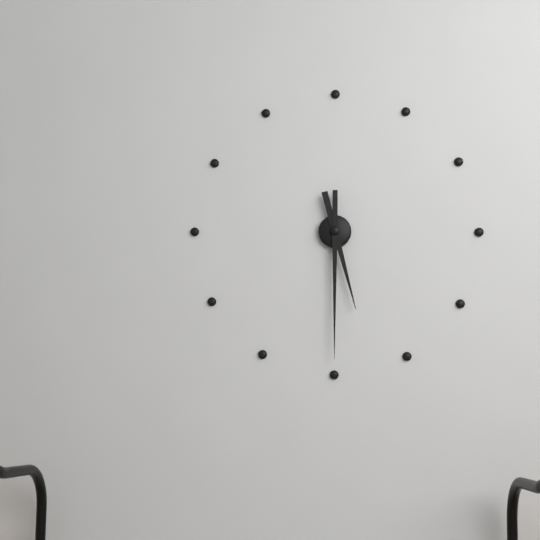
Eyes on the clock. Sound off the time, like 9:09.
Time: 5:30
